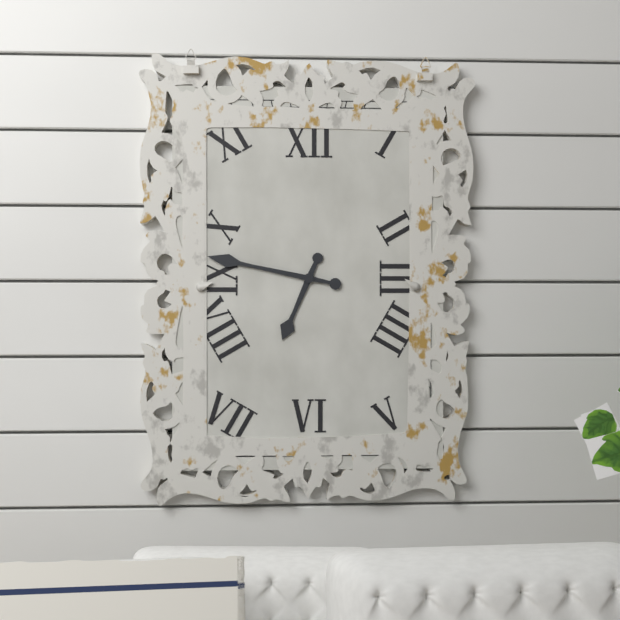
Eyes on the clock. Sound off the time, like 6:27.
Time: 6:47
